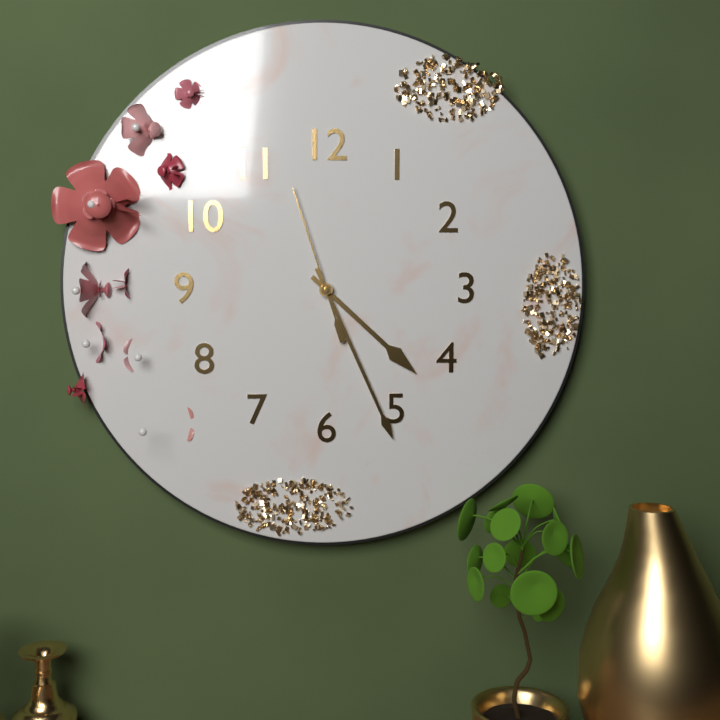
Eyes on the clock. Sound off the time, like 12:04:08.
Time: 4:26:57
